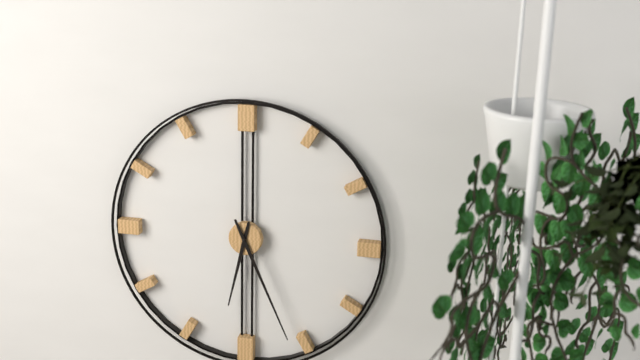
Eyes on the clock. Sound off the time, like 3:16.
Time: 6:26
